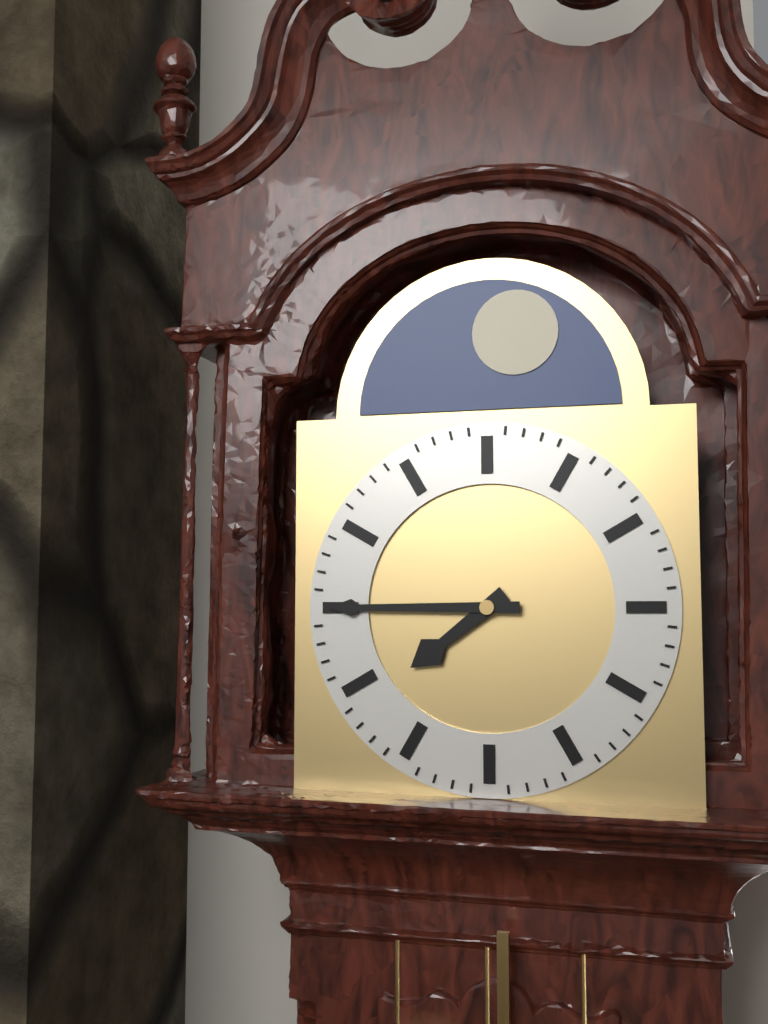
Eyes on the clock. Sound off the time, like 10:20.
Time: 7:45
